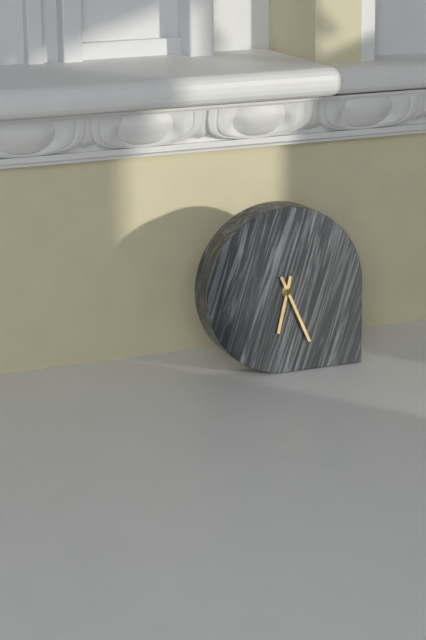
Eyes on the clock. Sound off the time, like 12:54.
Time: 6:26
